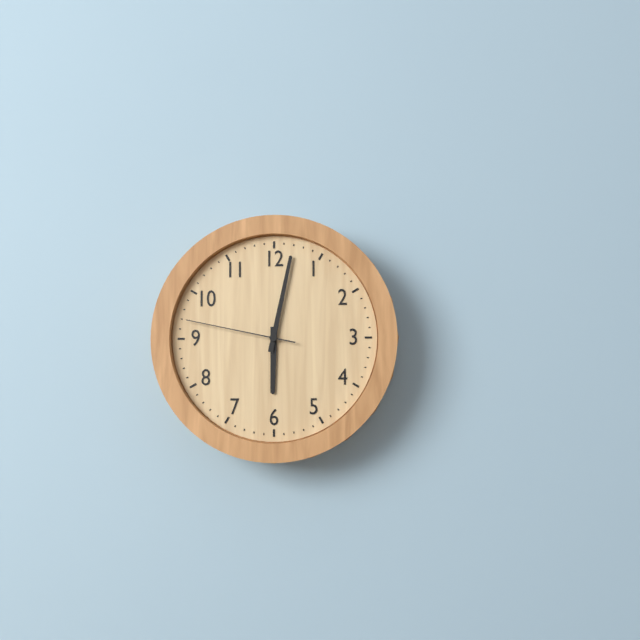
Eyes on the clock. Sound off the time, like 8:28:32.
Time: 6:02:47
